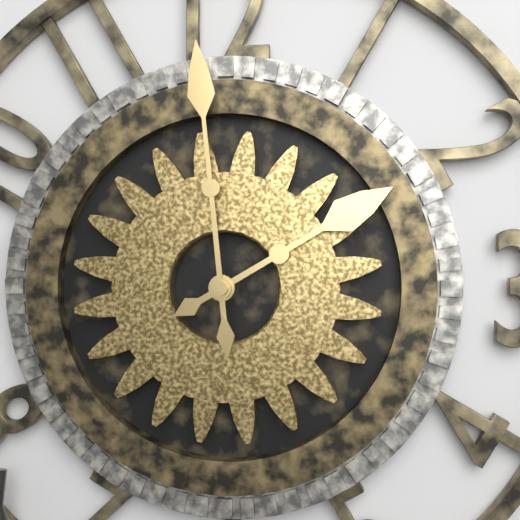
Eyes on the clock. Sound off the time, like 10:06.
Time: 1:59
